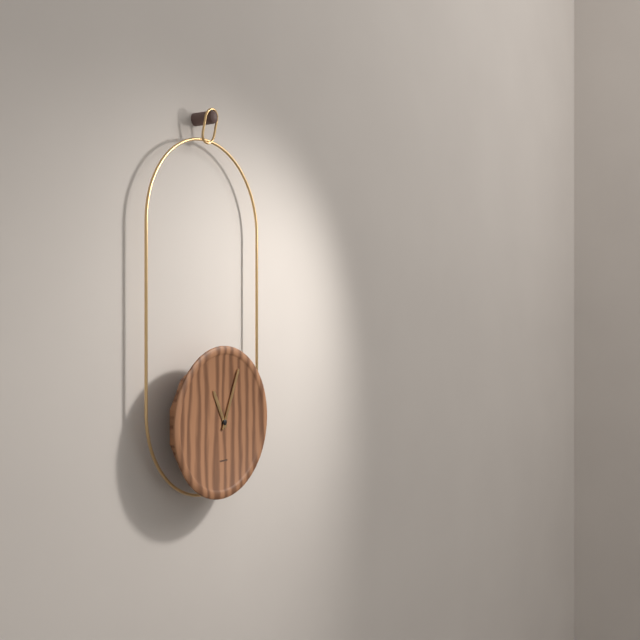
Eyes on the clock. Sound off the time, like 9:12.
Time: 11:04
